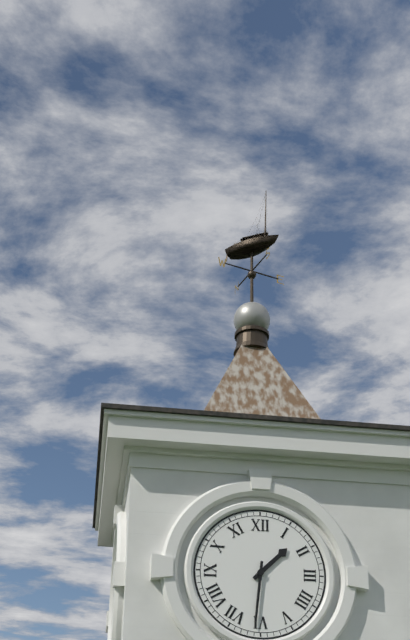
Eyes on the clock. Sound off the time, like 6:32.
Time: 1:31
